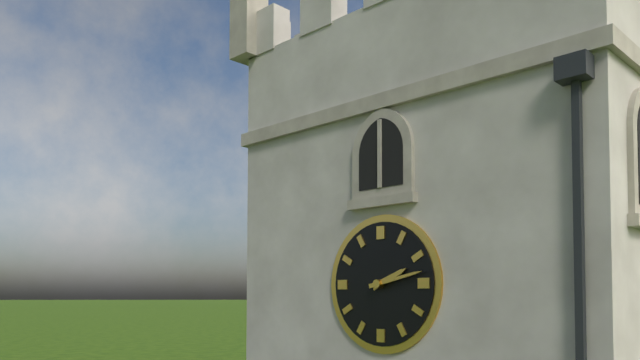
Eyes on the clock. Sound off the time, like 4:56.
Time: 2:13
